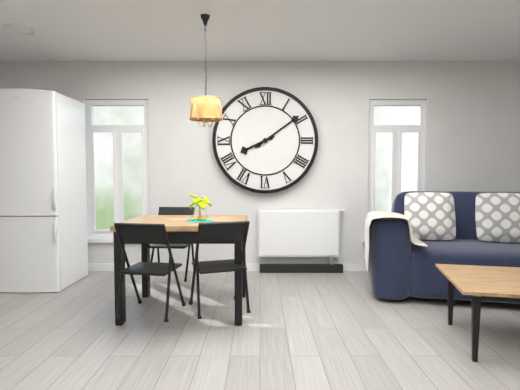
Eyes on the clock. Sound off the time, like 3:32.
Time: 8:09
